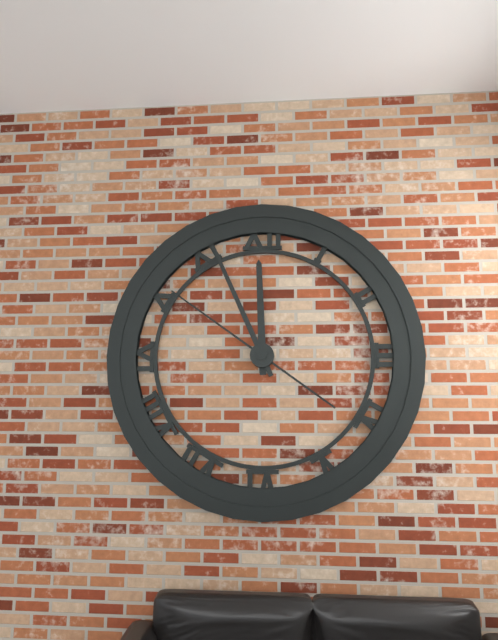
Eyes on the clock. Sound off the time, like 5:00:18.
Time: 11:56:51
